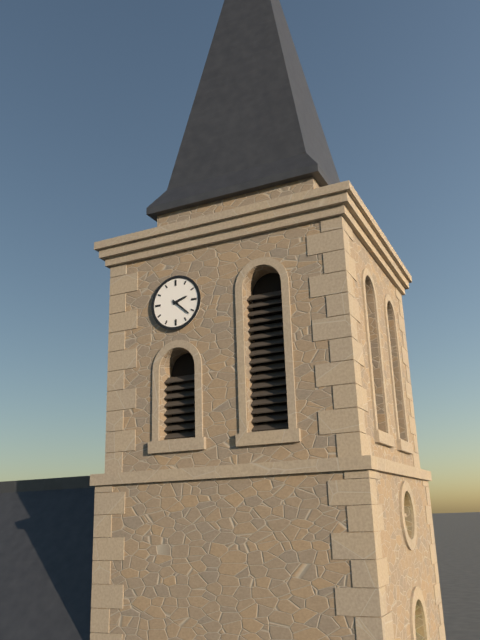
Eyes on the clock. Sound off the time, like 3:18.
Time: 2:22
